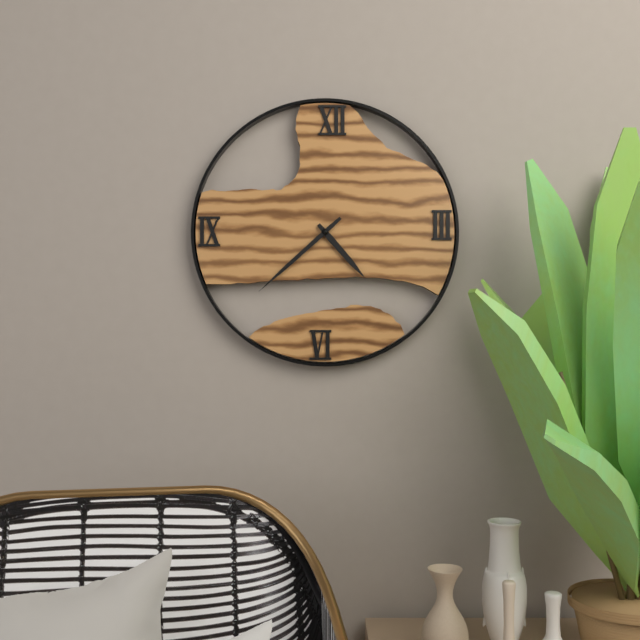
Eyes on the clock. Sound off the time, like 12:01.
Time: 4:38
